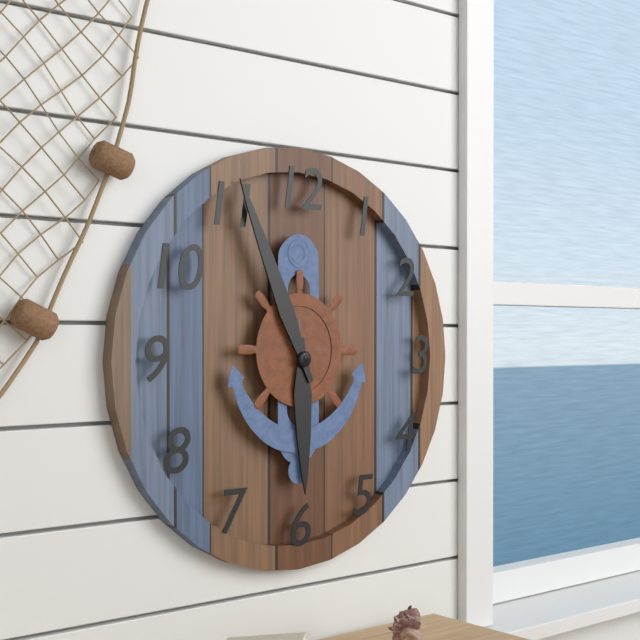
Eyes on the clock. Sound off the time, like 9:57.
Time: 5:56
